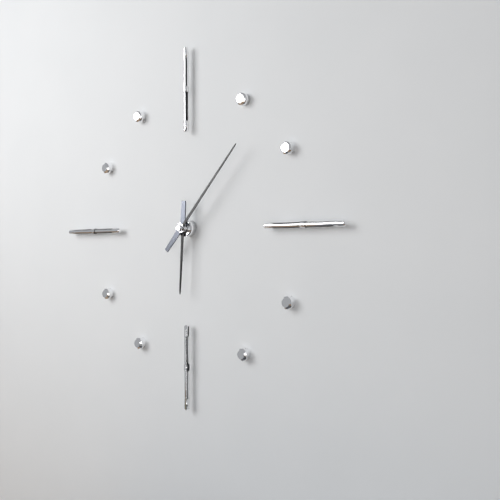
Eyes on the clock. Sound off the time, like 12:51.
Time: 6:07
